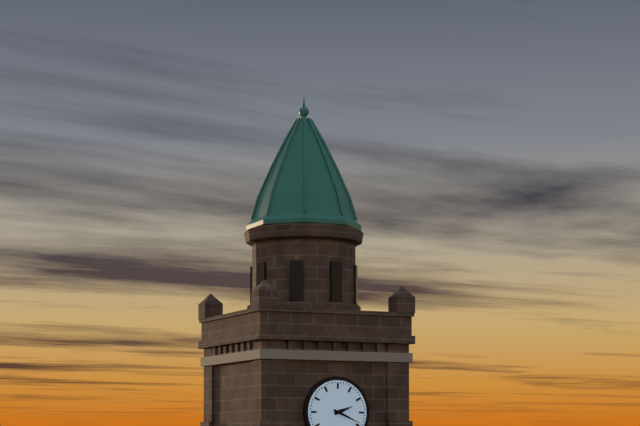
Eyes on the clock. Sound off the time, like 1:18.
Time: 2:19
